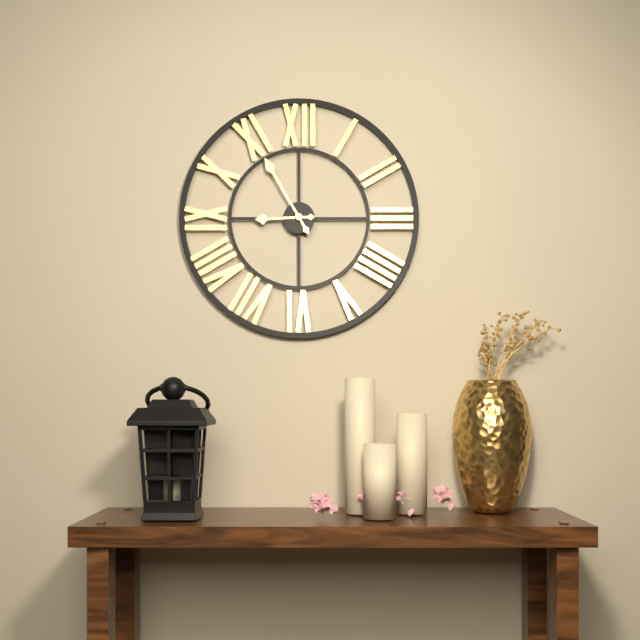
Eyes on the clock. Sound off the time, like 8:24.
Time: 8:55
